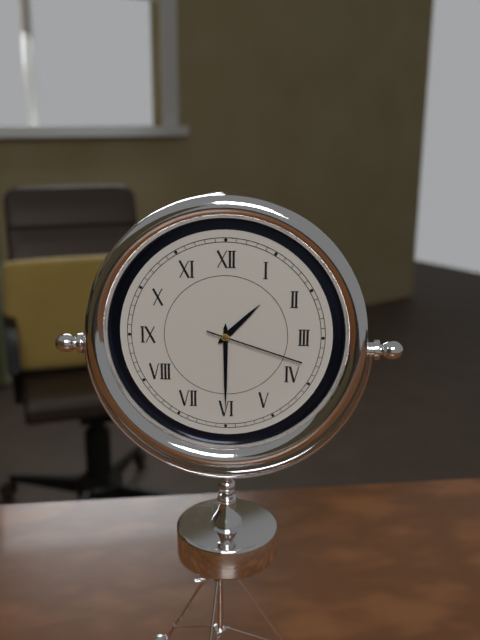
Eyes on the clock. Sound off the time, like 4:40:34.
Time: 1:30:18
